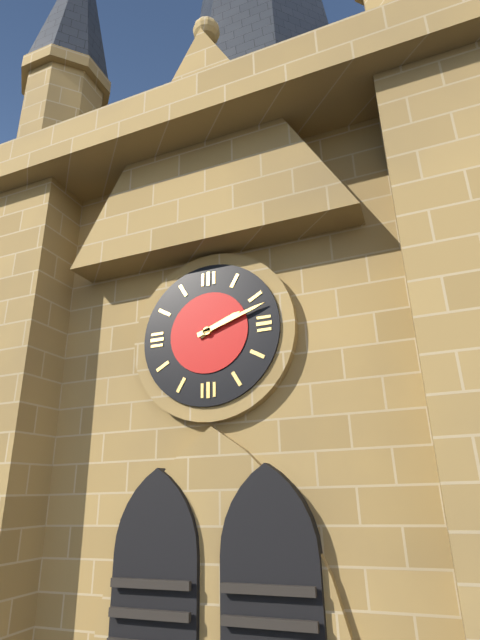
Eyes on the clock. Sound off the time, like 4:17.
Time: 2:12
